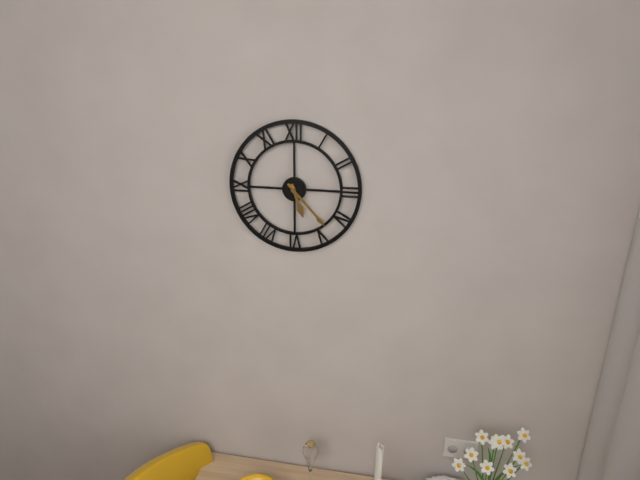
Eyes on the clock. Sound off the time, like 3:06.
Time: 5:23
